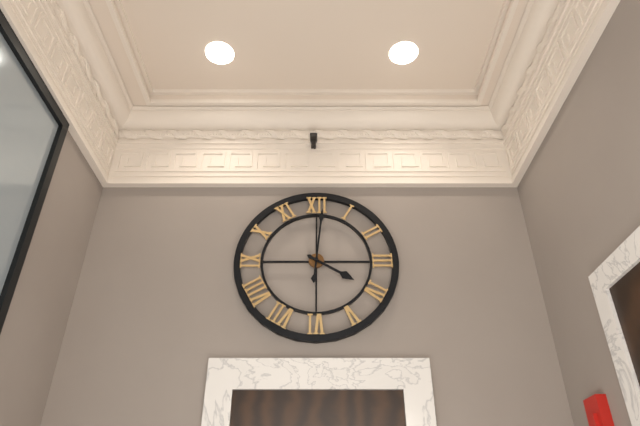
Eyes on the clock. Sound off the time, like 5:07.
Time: 4:01
